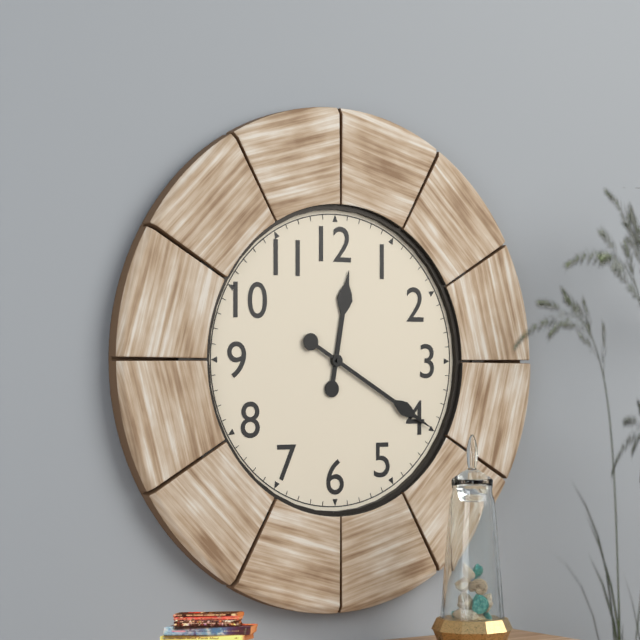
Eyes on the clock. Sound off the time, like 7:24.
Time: 12:20
